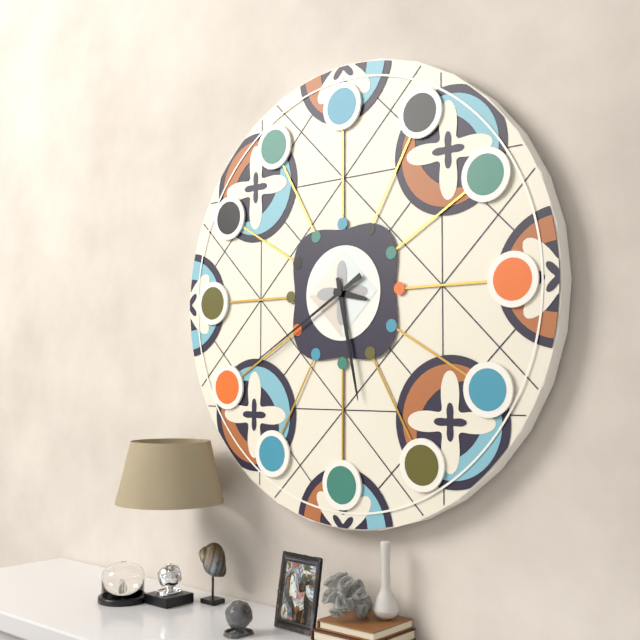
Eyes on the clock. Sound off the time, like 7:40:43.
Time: 3:28:40
